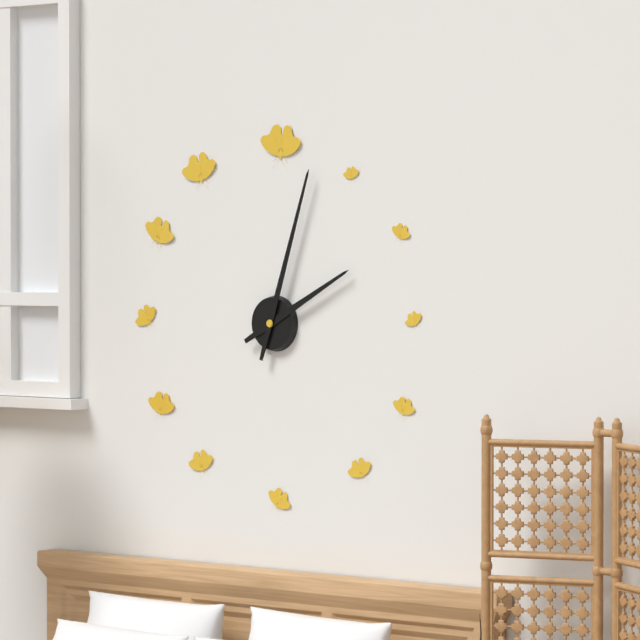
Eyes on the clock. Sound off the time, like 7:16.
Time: 2:03
